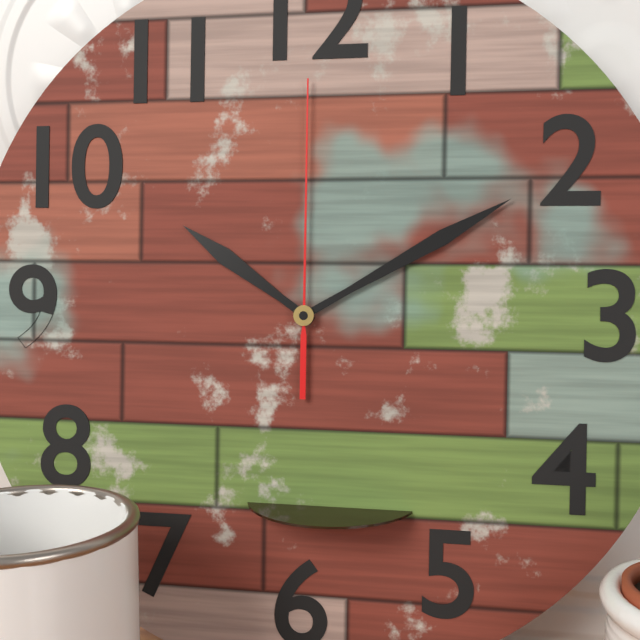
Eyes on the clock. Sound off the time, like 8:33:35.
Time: 10:10:00
